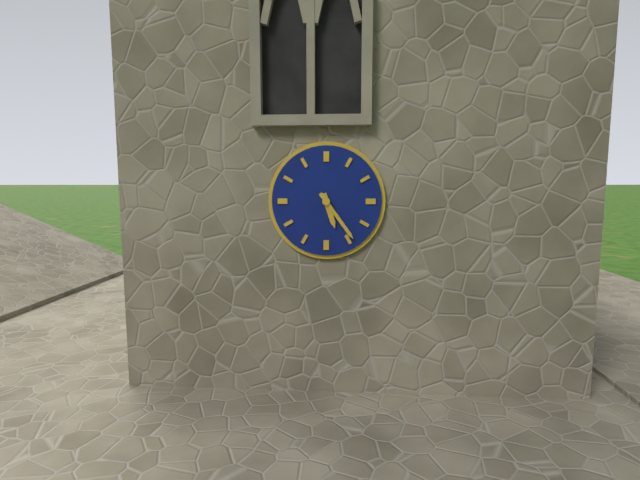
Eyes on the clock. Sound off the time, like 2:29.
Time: 5:24
